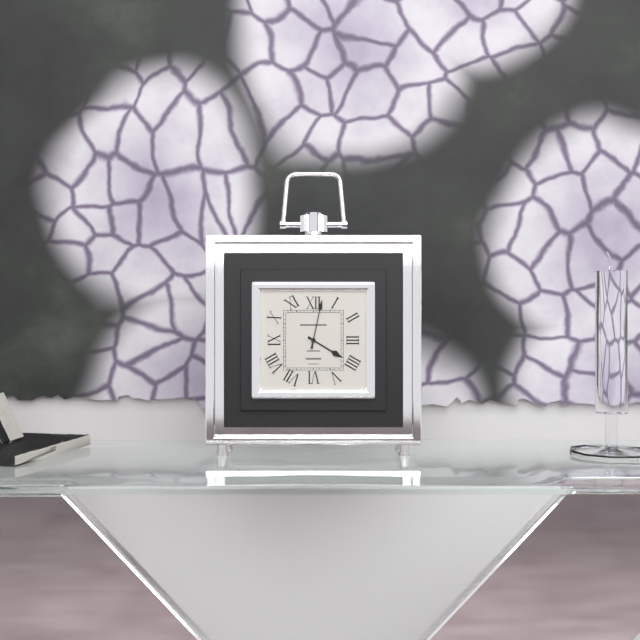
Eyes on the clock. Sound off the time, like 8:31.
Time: 4:02
